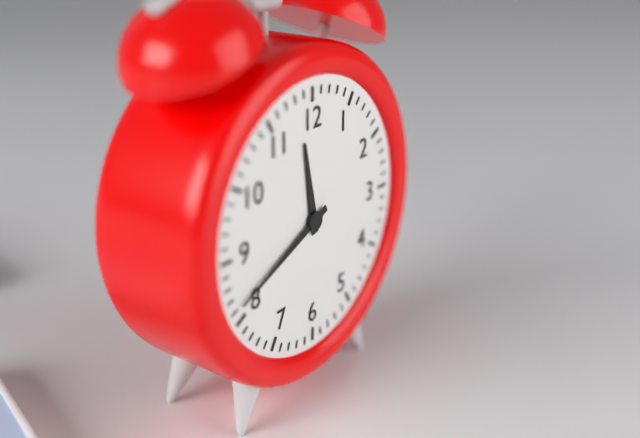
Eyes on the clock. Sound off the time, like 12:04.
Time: 11:41
